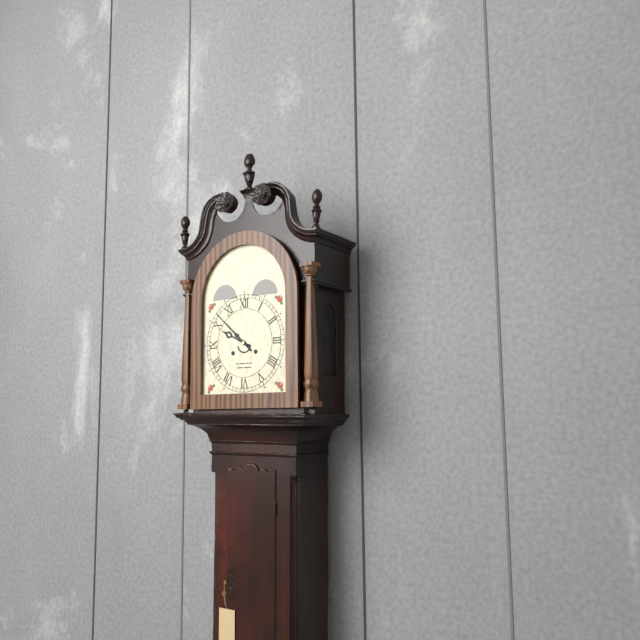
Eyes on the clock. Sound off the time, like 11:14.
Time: 9:52
